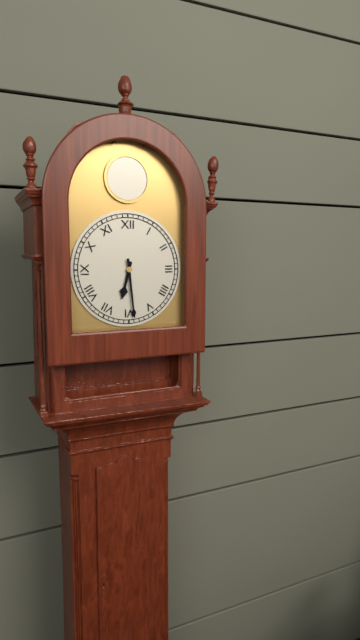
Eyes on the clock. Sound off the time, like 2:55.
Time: 6:29
